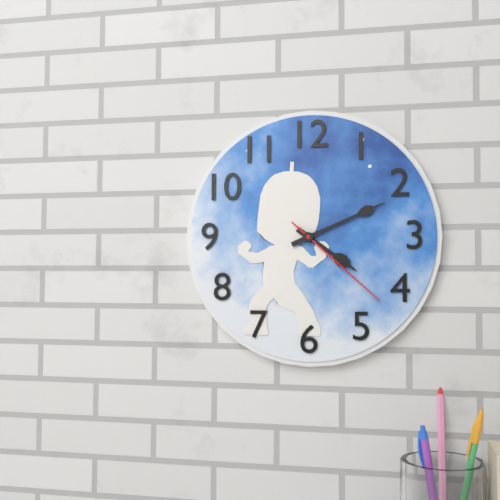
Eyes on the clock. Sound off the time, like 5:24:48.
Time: 4:11:22
